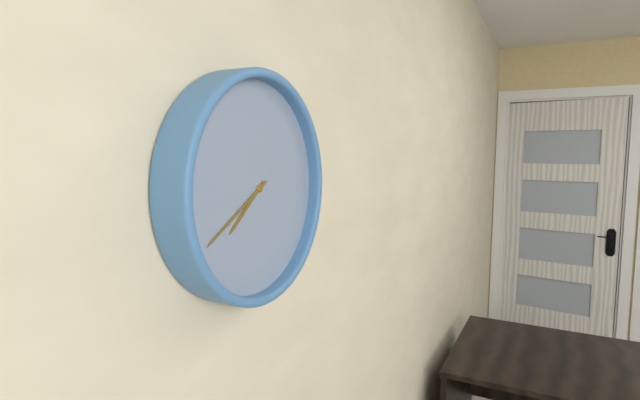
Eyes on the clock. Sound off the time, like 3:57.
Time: 7:40
